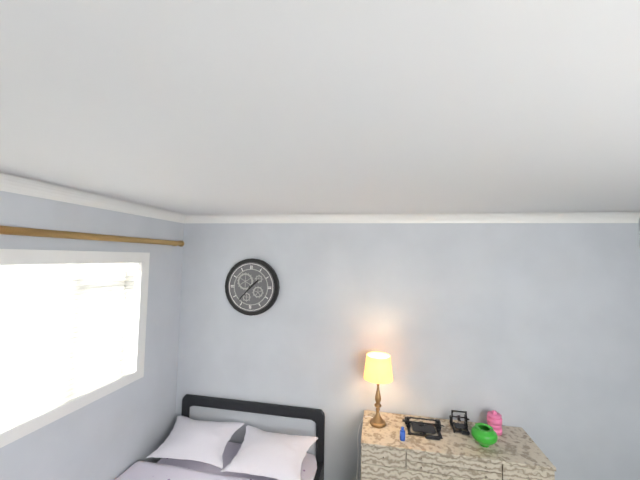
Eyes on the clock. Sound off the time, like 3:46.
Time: 1:37
